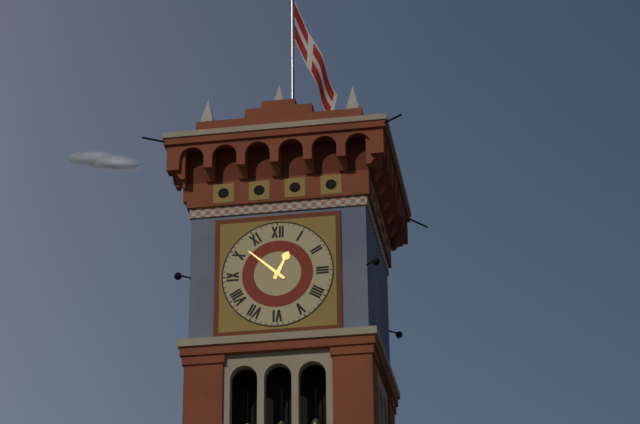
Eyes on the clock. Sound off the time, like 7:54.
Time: 12:52
